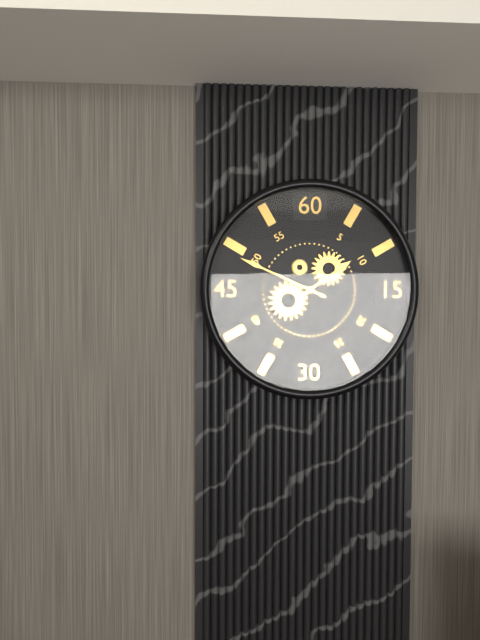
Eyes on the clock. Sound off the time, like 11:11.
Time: 1:49
